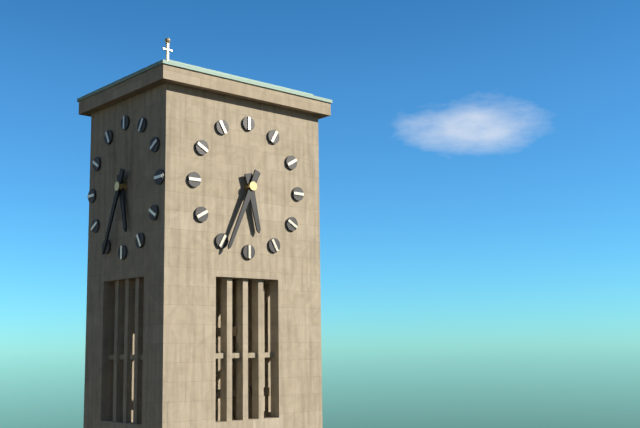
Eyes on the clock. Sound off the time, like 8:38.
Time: 5:34
